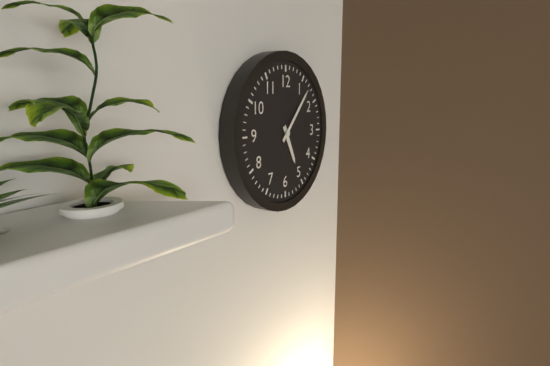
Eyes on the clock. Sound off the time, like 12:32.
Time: 5:07
